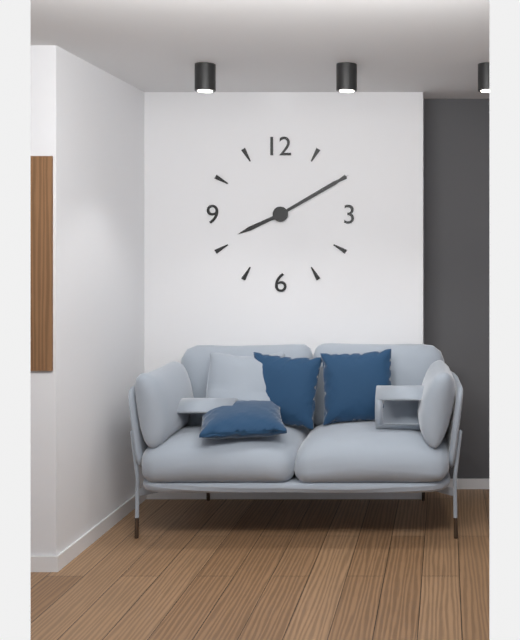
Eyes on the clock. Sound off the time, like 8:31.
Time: 8:10
